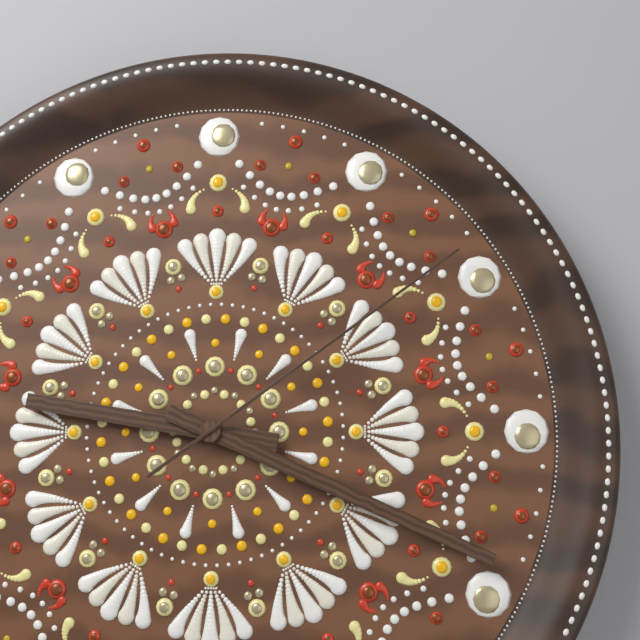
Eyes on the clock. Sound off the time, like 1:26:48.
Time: 9:19:09
